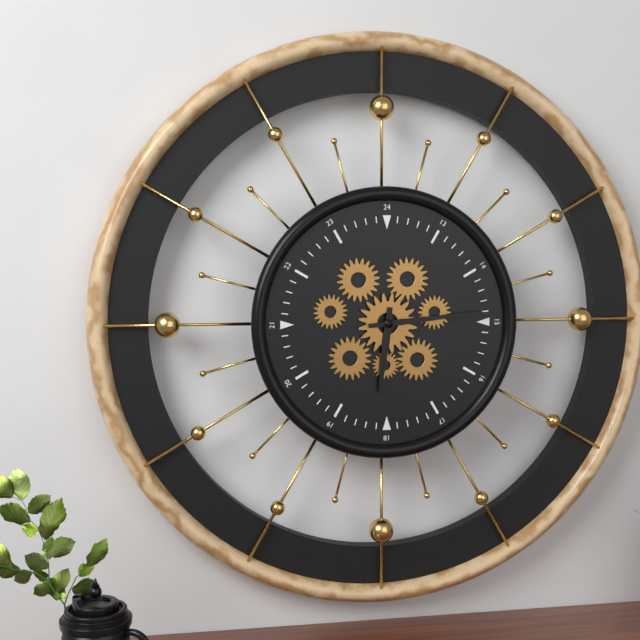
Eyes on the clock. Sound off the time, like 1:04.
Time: 6:14
